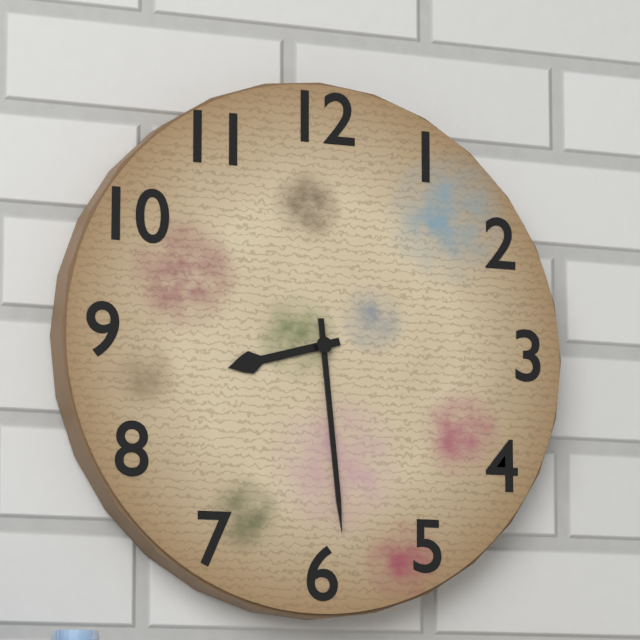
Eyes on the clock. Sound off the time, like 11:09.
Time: 8:29
